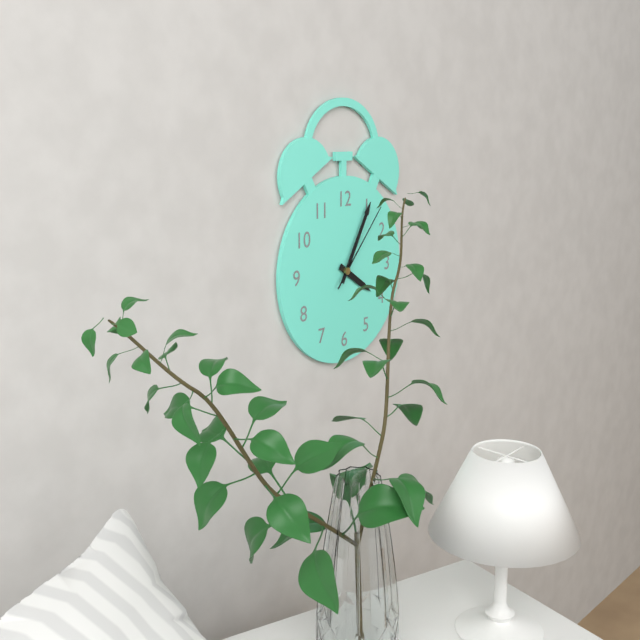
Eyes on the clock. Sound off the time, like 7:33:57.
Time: 4:05:07
